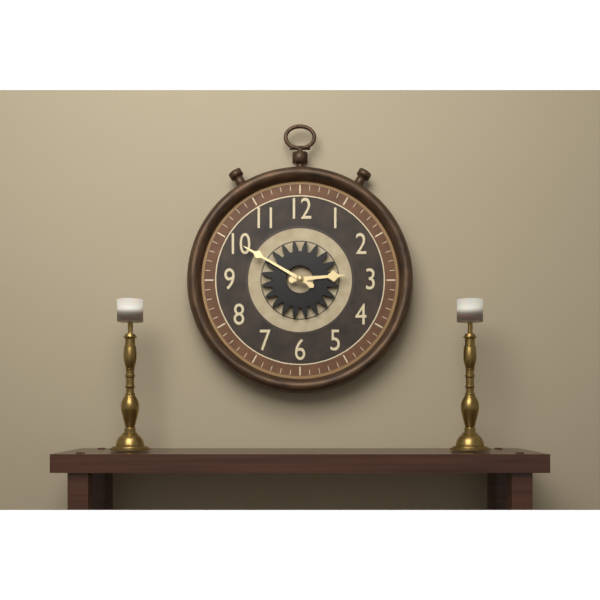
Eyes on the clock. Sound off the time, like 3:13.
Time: 2:50
